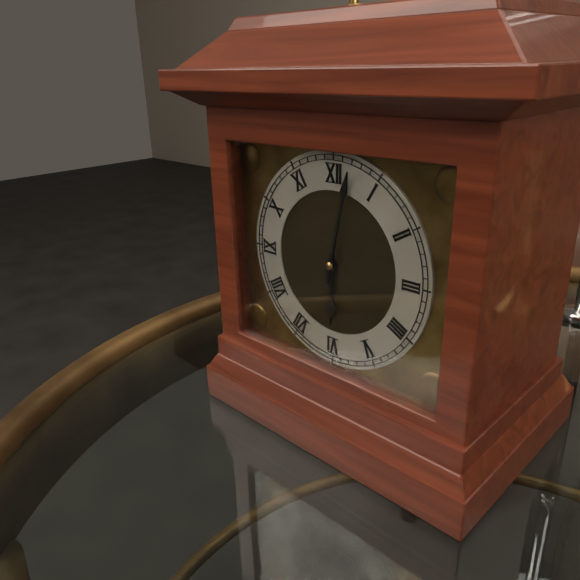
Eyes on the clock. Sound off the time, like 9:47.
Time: 6:02
